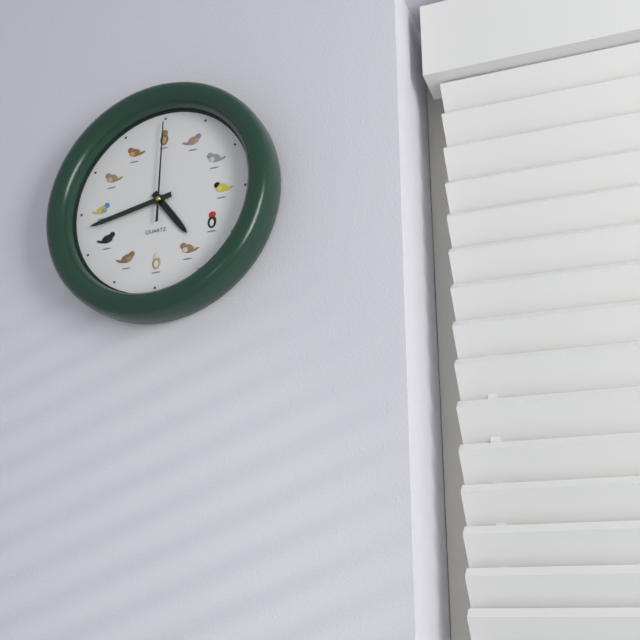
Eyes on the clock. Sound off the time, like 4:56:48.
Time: 4:43:00
